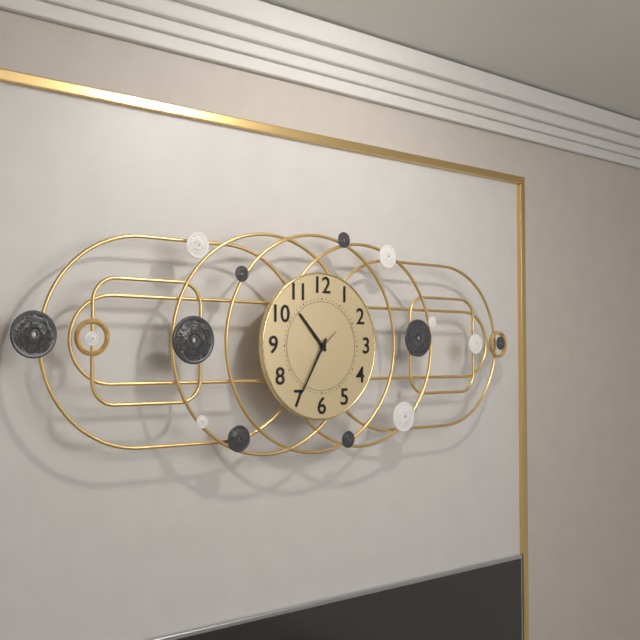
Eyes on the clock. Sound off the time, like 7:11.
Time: 10:35
